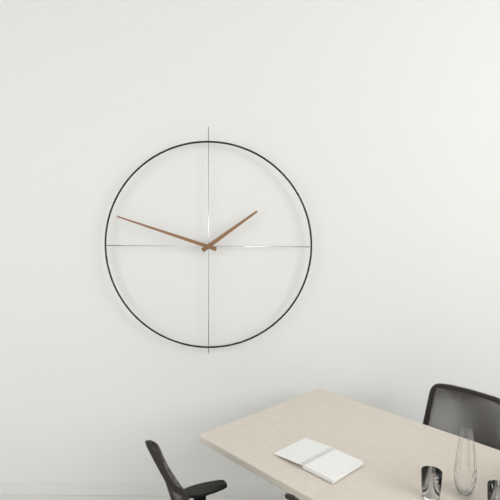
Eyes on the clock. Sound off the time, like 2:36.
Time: 1:48
